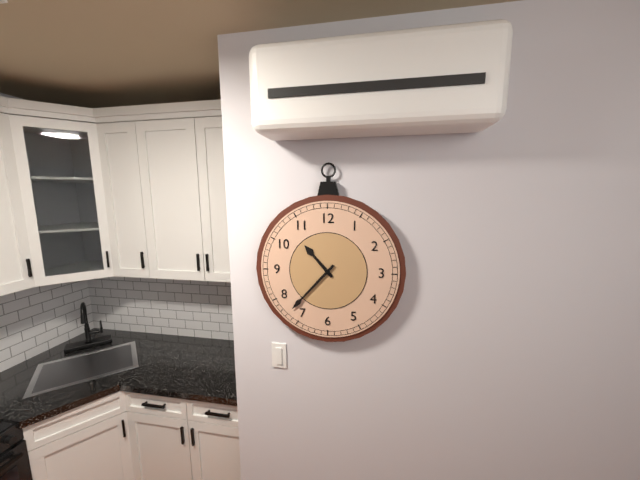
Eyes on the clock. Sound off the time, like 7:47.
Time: 10:37
